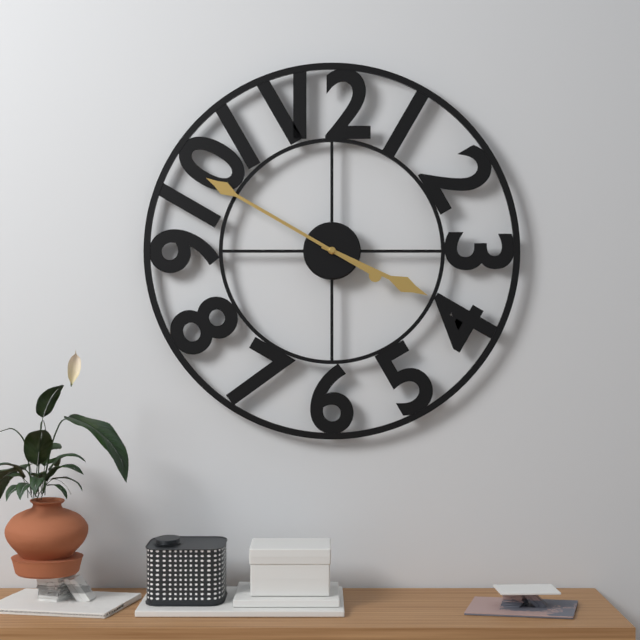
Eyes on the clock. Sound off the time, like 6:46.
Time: 3:50
